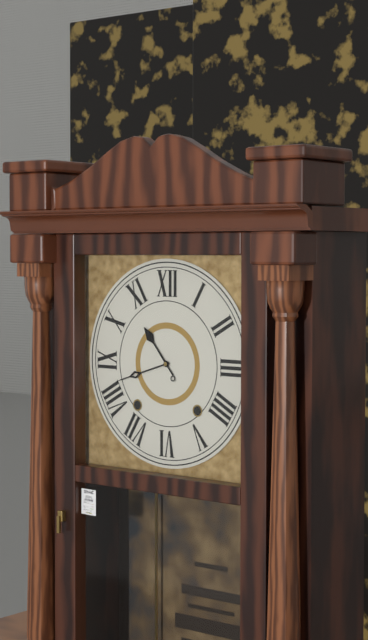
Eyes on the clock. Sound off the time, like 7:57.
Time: 10:42
